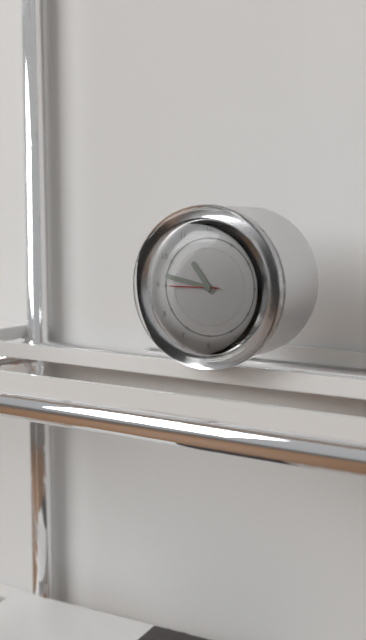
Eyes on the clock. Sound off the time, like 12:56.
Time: 10:47
